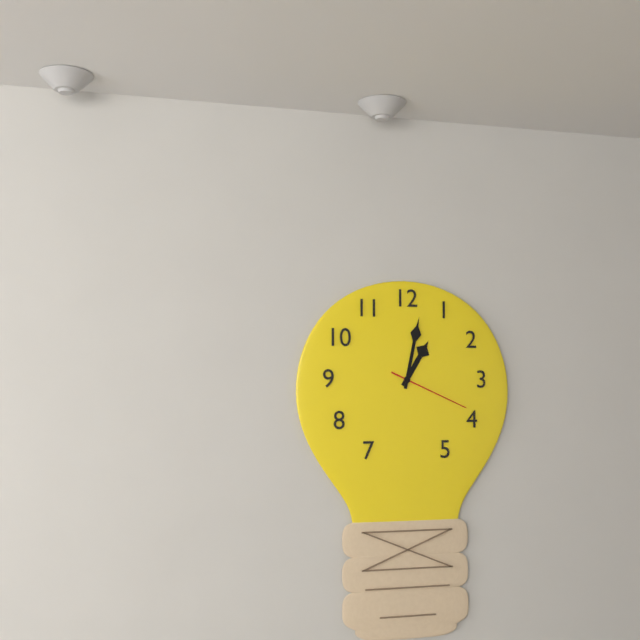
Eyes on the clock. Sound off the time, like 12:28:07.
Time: 1:02:19
